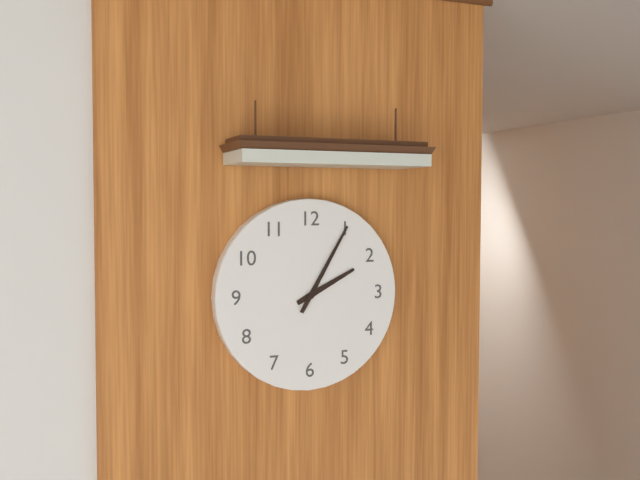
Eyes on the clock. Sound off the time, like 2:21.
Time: 2:05
